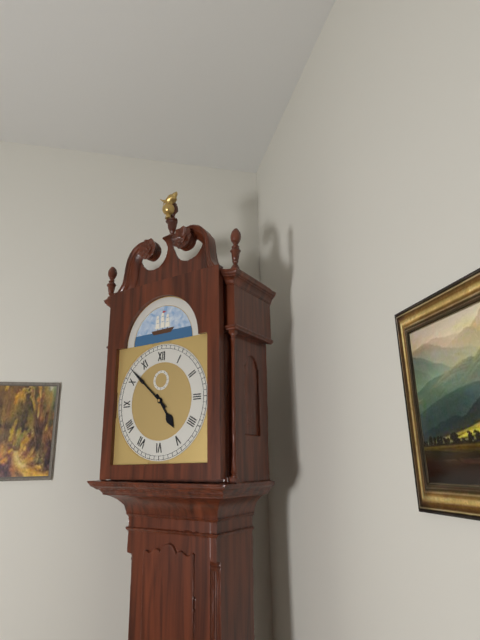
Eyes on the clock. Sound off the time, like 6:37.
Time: 4:52
